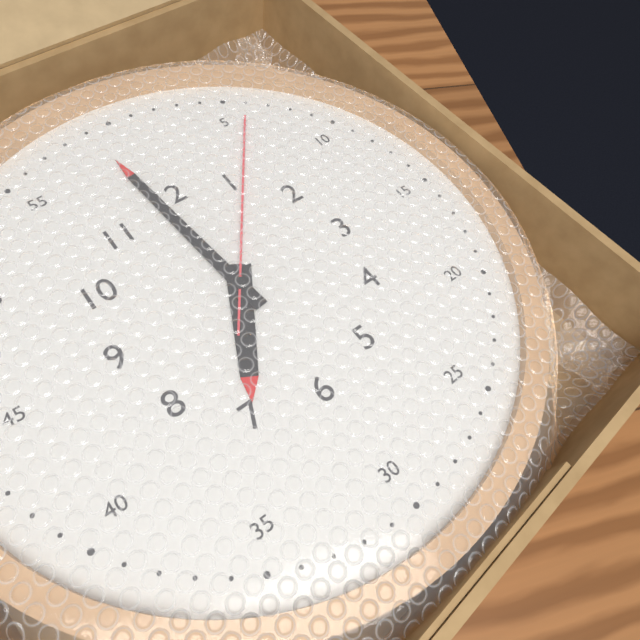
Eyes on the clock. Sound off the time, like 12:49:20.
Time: 6:59:06
